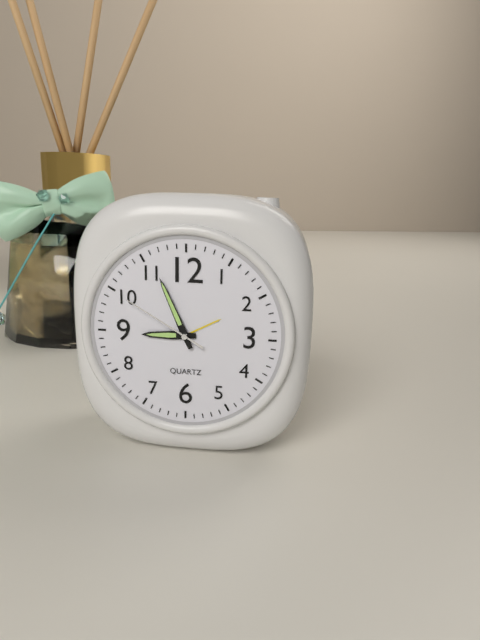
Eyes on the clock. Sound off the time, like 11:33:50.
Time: 8:56:50
